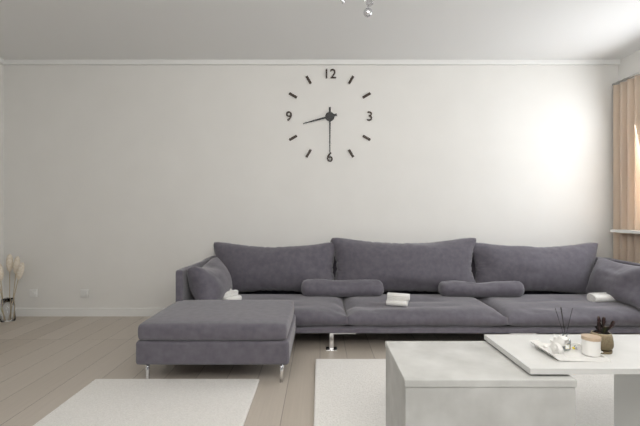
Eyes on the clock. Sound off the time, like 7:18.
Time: 8:30
